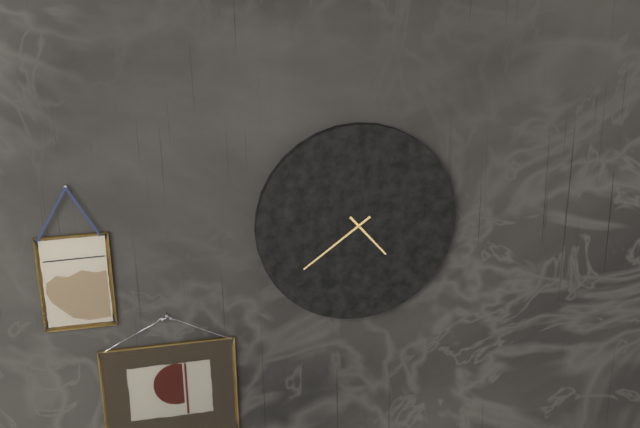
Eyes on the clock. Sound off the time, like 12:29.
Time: 4:39
